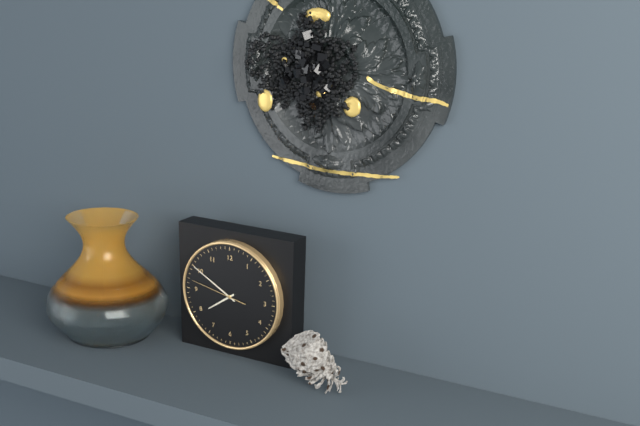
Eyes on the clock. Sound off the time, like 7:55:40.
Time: 7:50:47
